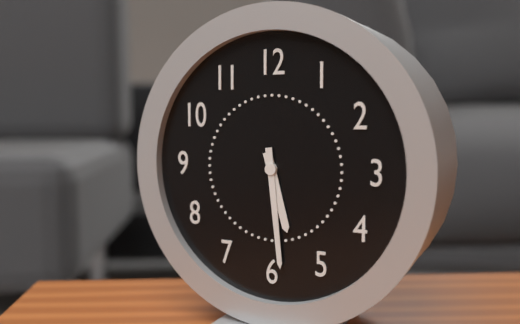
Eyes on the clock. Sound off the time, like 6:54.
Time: 5:29
